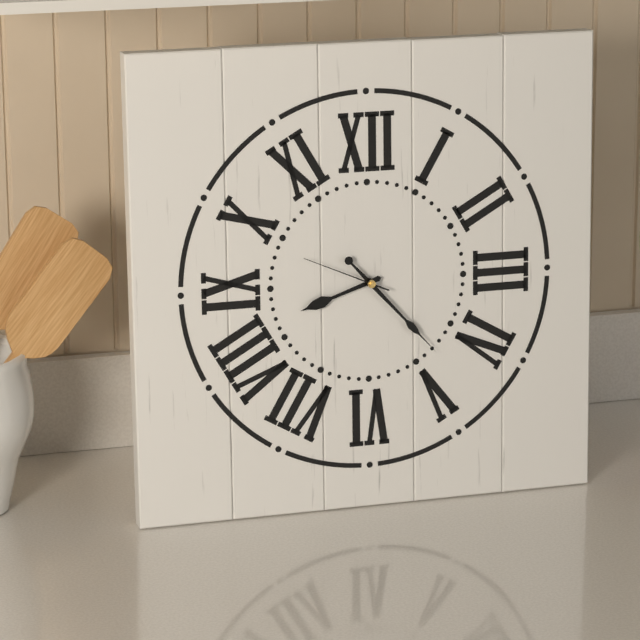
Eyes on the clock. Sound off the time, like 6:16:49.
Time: 8:23:49
